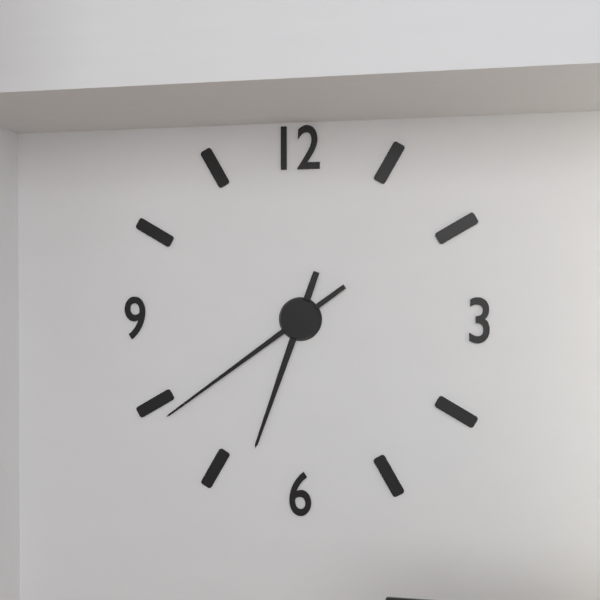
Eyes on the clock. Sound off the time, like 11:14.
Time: 6:39
